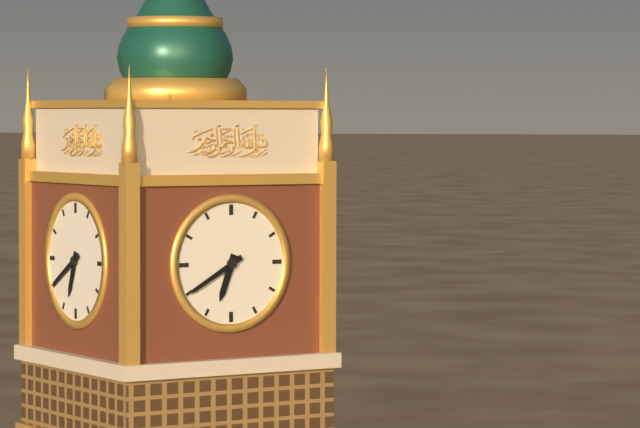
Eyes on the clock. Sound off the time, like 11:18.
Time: 6:40
